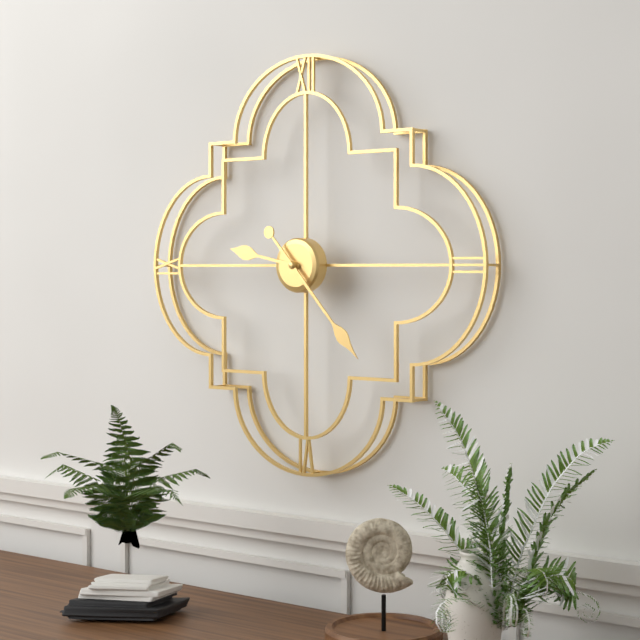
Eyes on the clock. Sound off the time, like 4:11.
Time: 9:23
